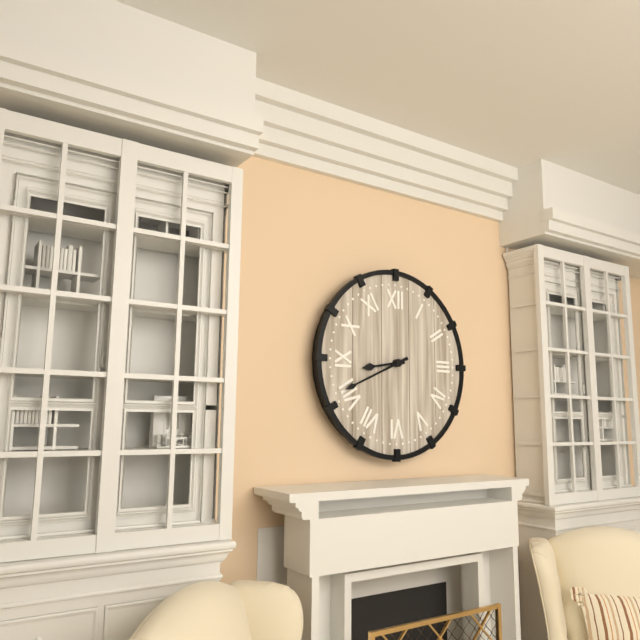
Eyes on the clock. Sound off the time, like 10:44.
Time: 8:41
